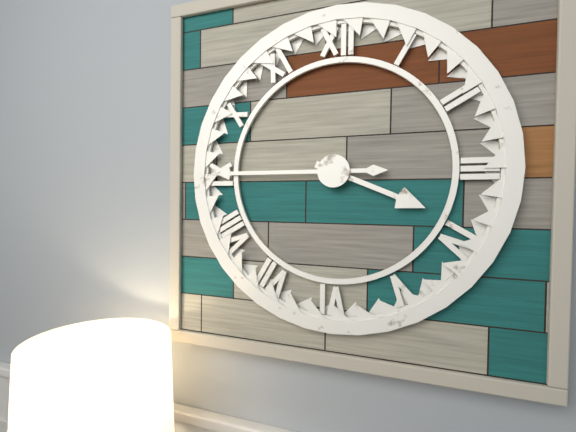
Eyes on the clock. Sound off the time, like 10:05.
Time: 3:45
